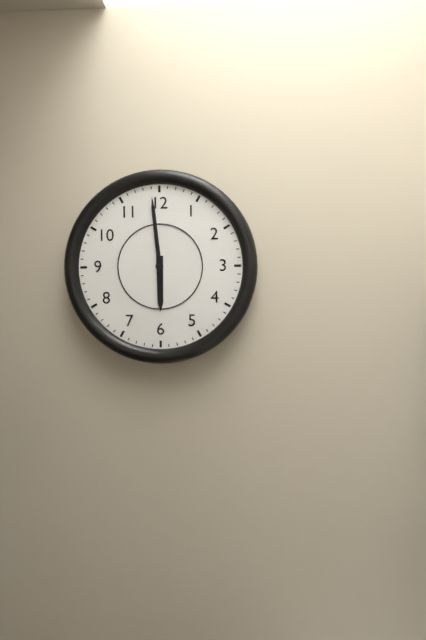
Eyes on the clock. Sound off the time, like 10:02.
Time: 5:59
